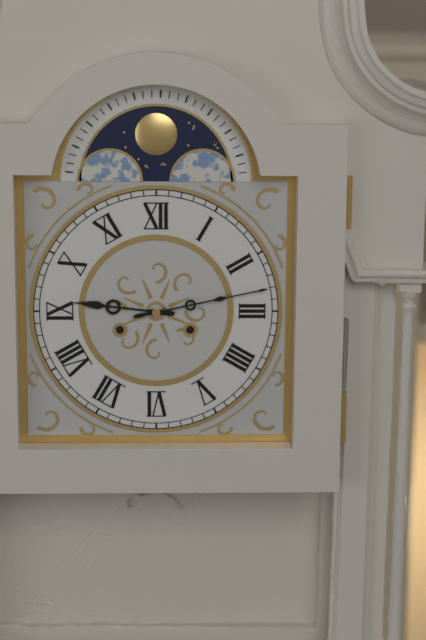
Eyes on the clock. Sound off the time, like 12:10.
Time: 9:13
